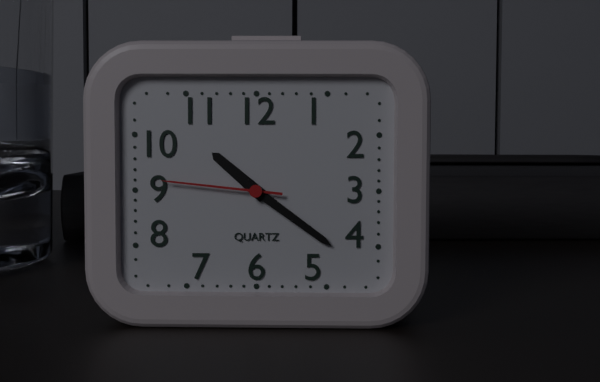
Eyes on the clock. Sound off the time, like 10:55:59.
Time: 10:21:46
